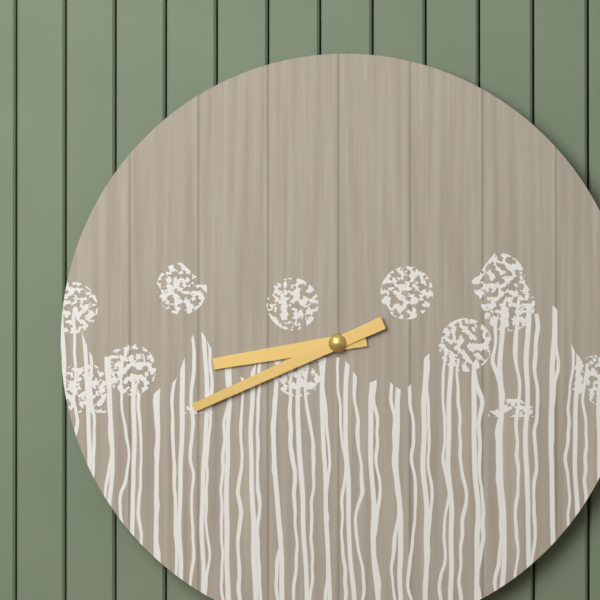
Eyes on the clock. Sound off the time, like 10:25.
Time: 8:41
